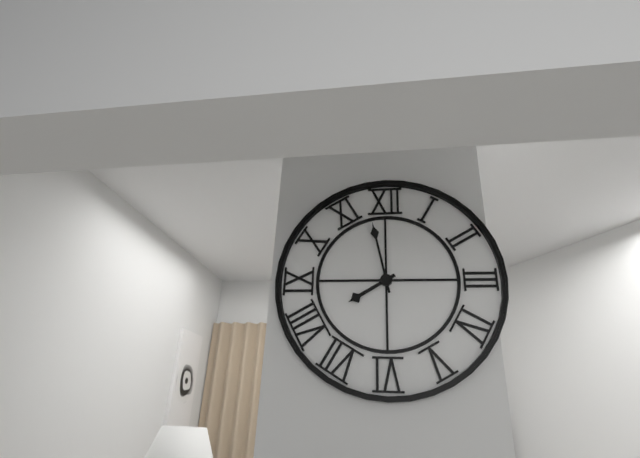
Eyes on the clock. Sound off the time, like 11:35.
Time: 7:58
